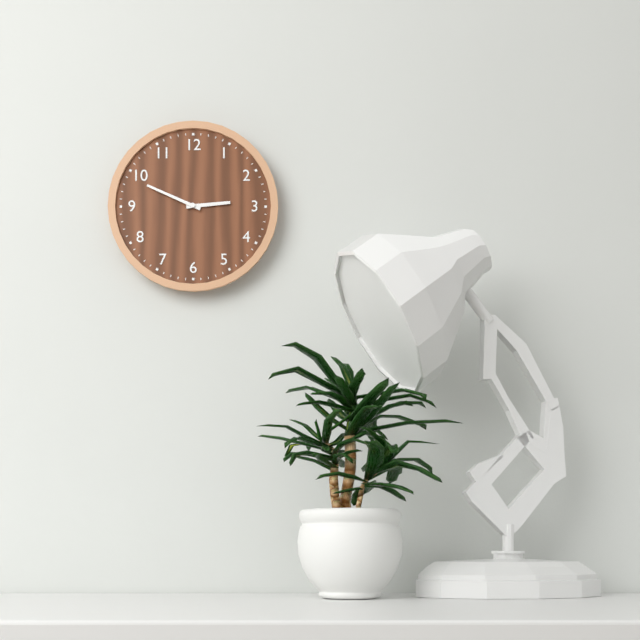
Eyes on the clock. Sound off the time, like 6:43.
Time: 2:49
